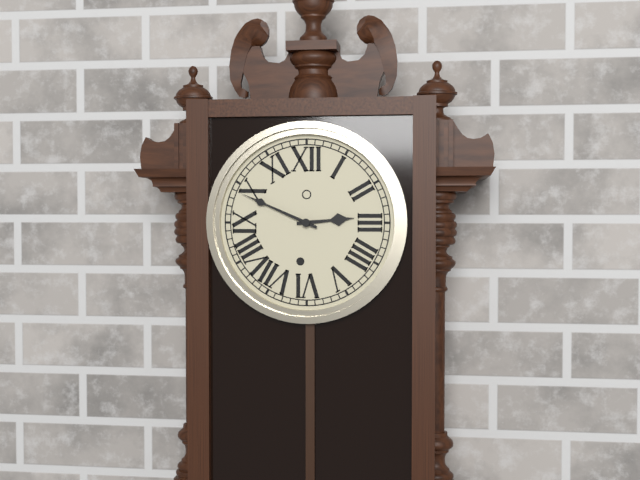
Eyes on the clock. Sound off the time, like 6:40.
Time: 2:49
